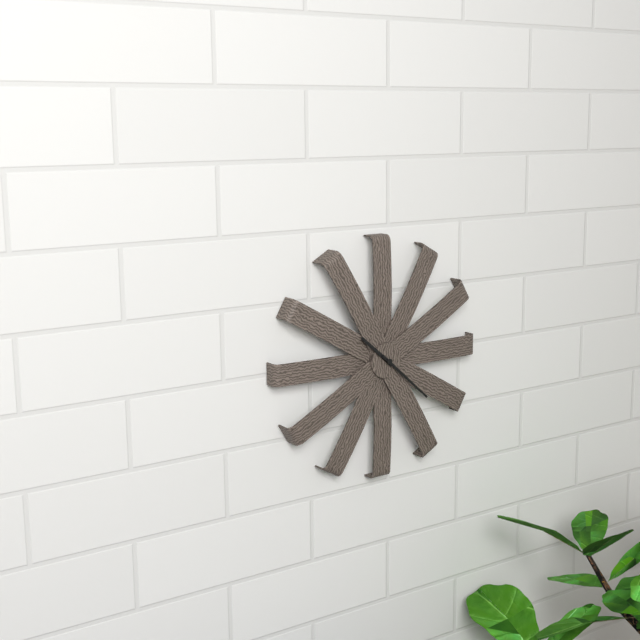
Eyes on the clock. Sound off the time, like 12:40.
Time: 10:22
